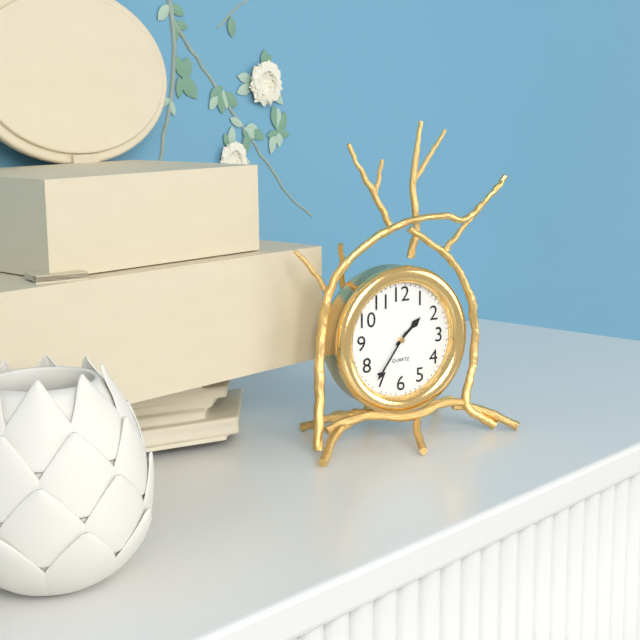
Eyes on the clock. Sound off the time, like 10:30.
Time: 1:36
